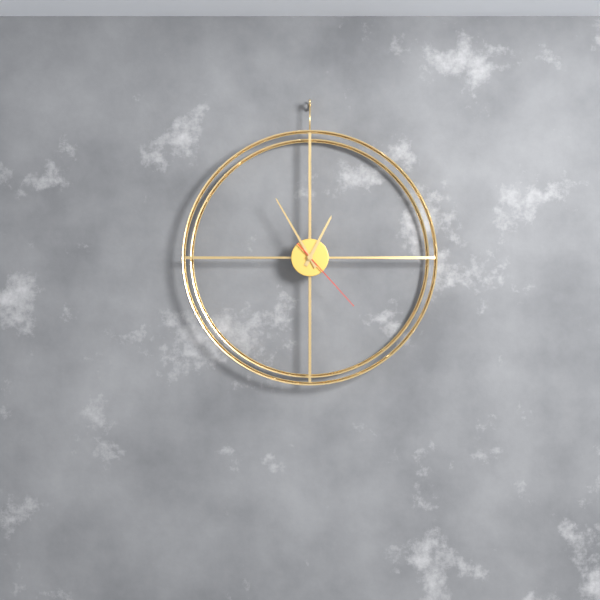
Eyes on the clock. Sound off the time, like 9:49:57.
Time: 12:55:23
